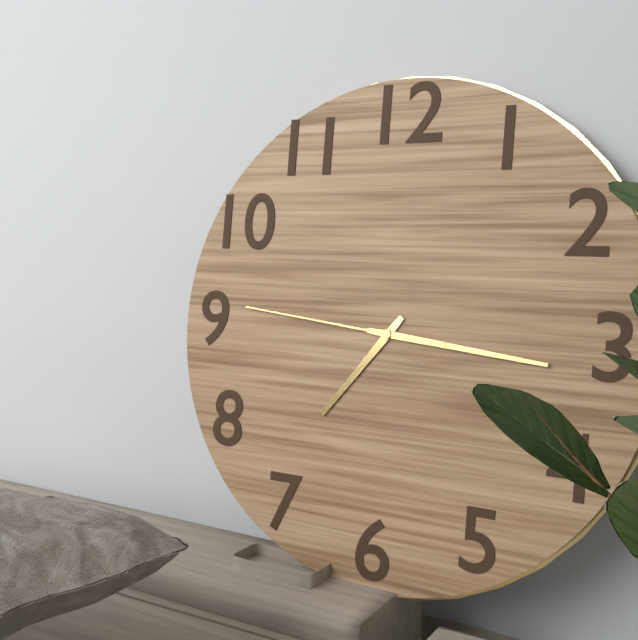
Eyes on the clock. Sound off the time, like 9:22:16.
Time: 7:16:46
